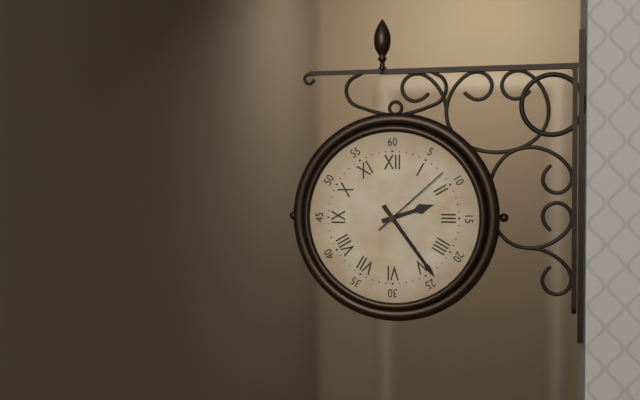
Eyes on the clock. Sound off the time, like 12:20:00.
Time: 2:24:08
